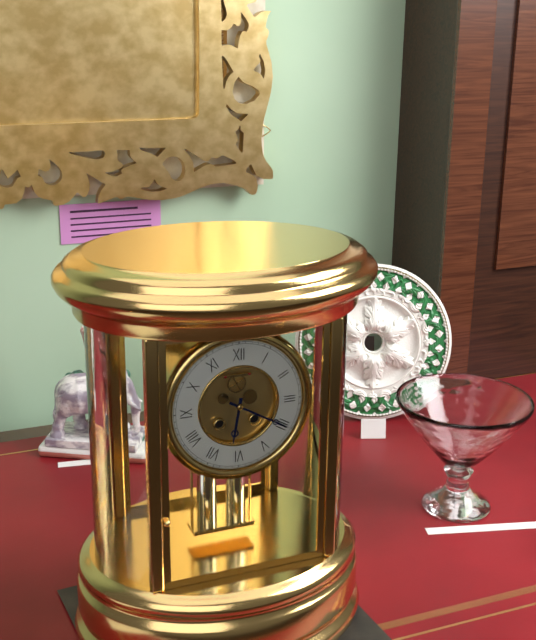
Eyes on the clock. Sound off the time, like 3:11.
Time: 6:20
